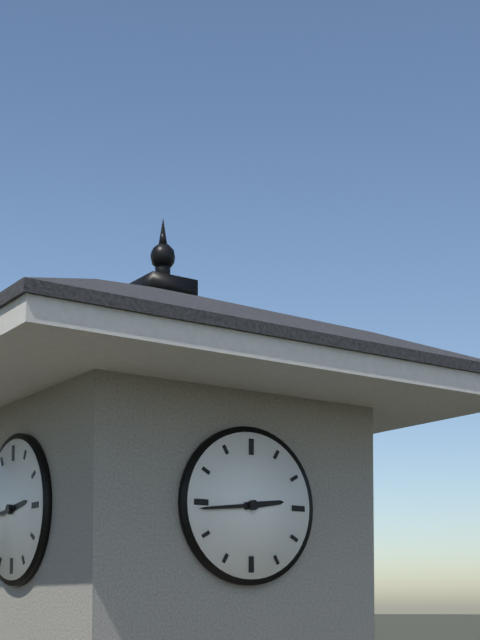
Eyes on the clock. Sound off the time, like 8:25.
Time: 2:44
